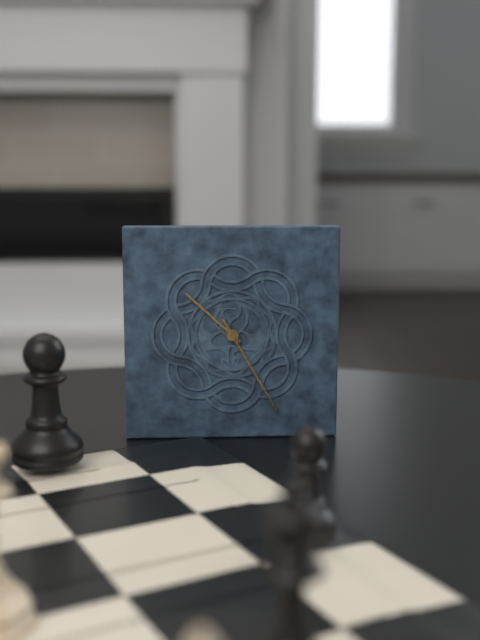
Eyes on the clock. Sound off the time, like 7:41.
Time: 10:25
